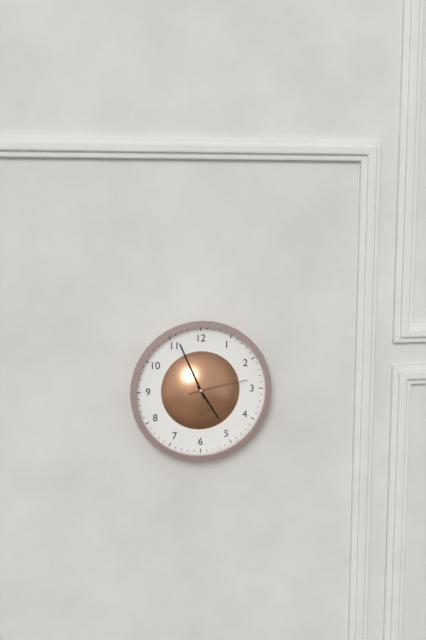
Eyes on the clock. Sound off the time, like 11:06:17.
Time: 4:56:13
